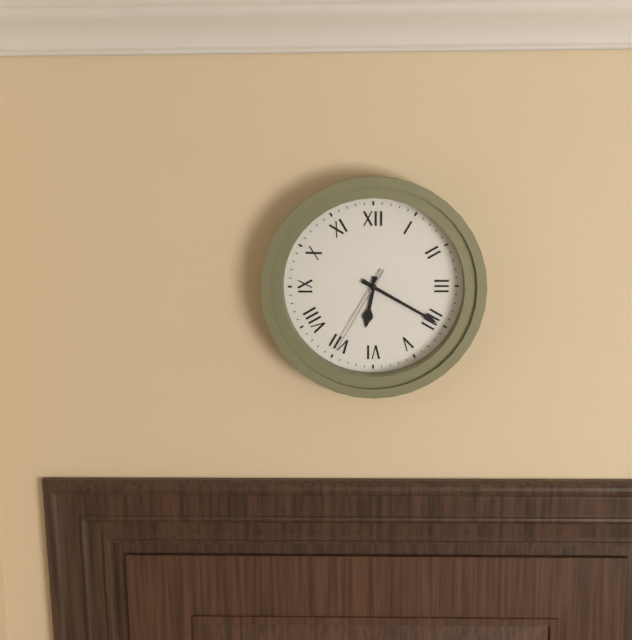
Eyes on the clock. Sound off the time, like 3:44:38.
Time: 6:20:35
